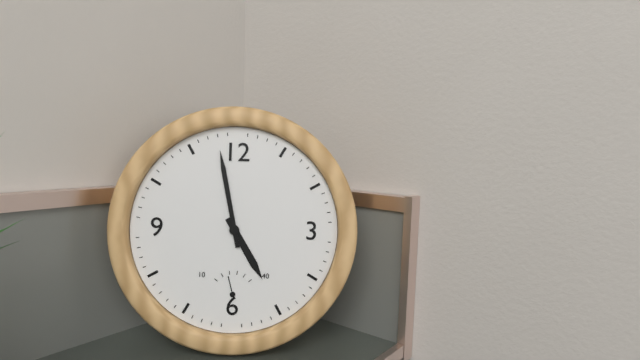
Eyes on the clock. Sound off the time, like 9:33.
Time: 4:58
